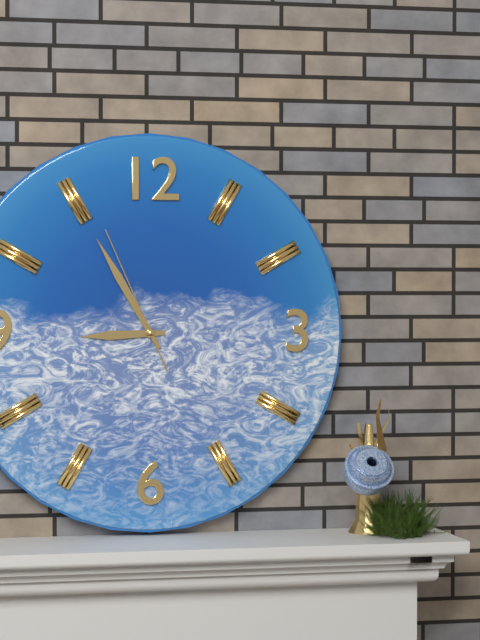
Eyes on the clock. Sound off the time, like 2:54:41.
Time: 8:55:56
